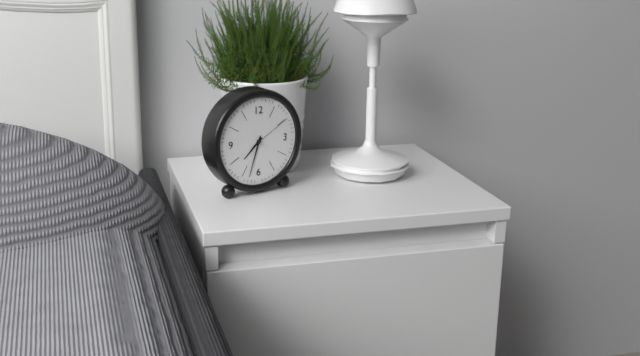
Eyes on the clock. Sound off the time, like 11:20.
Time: 7:33
